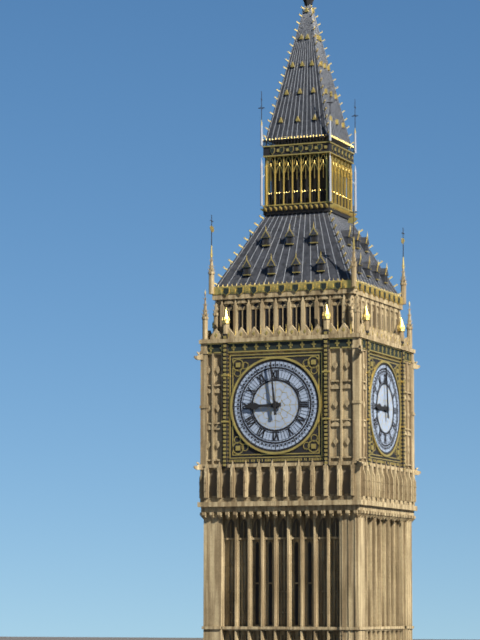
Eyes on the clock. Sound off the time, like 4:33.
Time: 8:59
